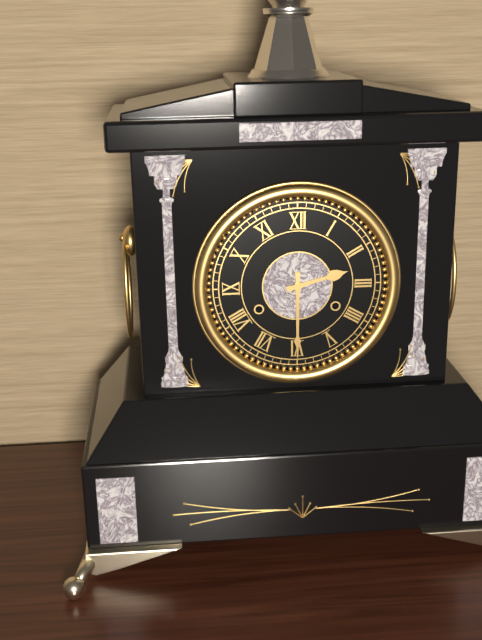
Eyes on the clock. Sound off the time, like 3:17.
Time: 2:30
